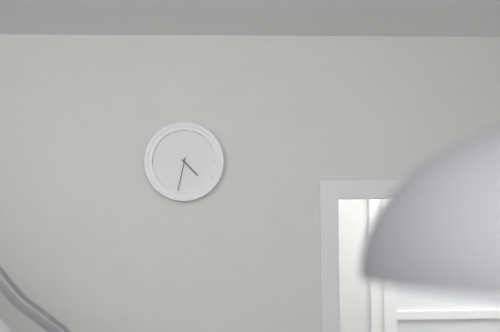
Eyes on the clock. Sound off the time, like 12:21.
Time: 4:32
